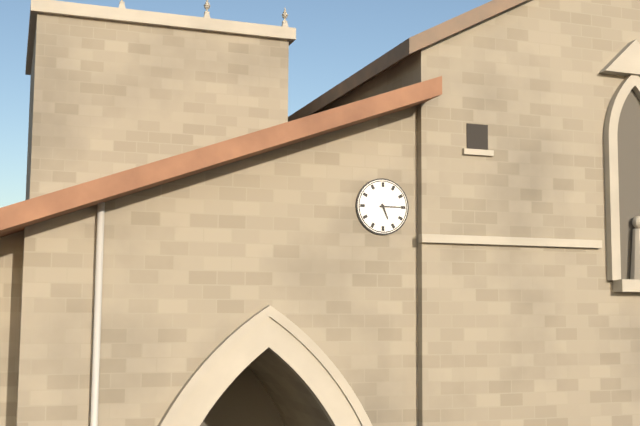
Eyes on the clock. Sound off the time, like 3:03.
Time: 5:15
